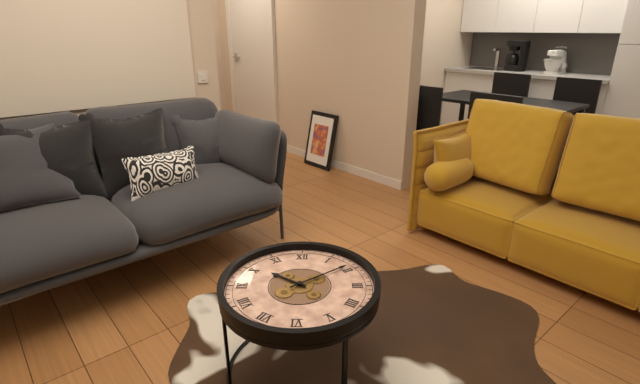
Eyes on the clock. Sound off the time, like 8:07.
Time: 10:09
